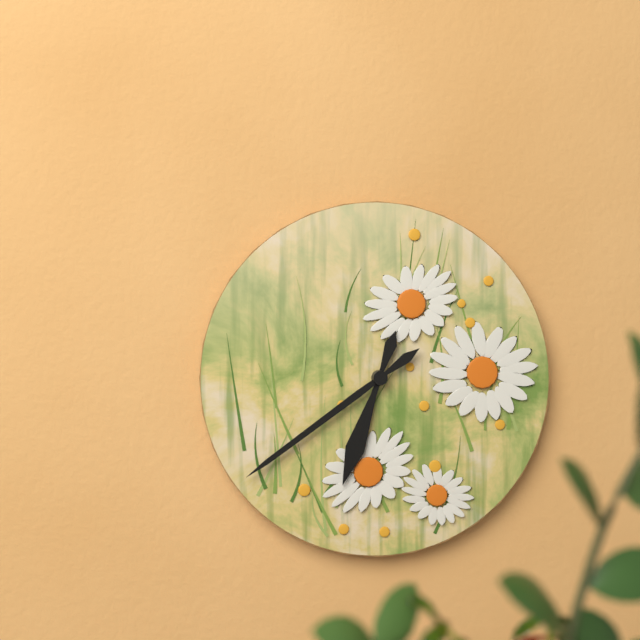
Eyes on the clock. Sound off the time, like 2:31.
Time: 6:39
